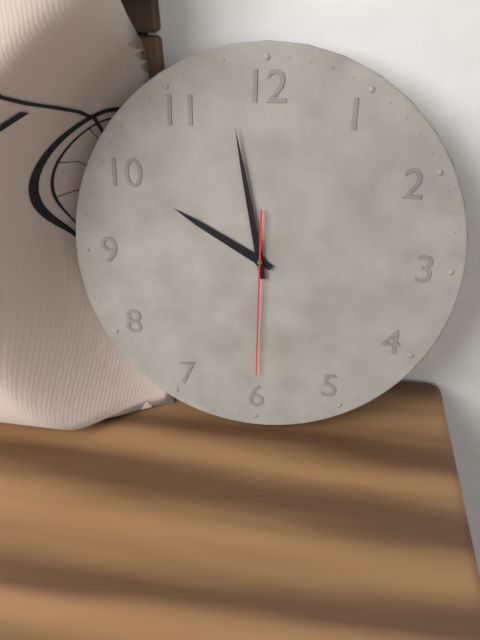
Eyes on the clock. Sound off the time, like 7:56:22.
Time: 9:58:30
